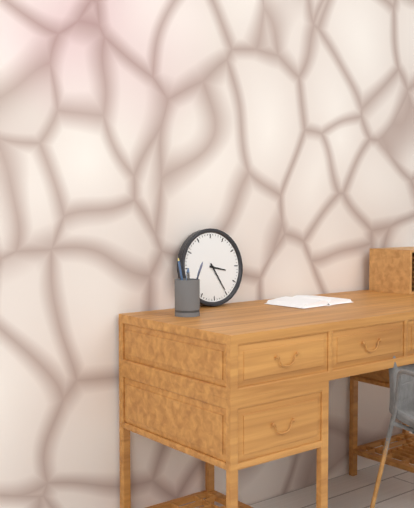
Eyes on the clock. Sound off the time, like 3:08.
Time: 3:25
